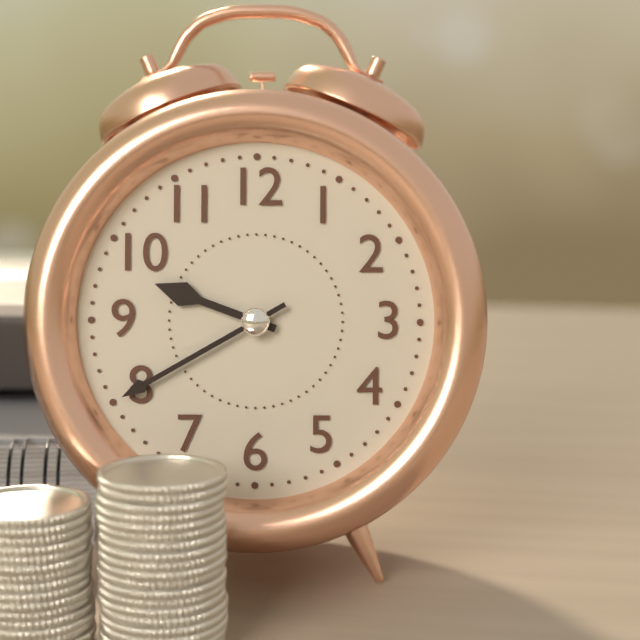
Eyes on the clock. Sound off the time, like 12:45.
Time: 9:40
